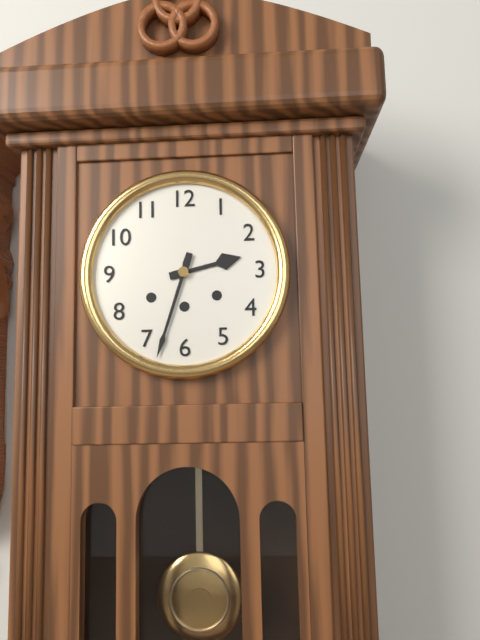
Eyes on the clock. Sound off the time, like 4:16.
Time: 2:33
